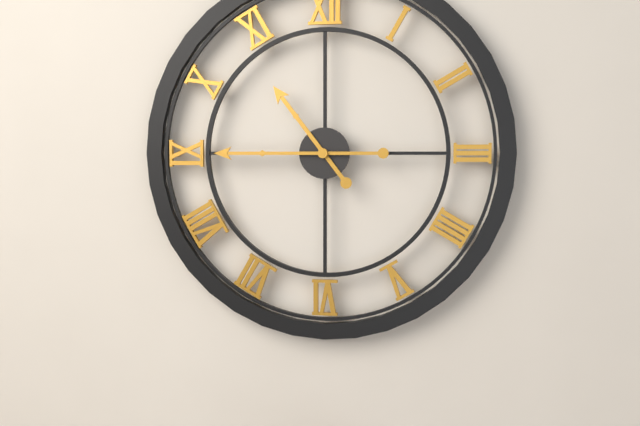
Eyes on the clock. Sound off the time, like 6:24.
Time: 10:45
